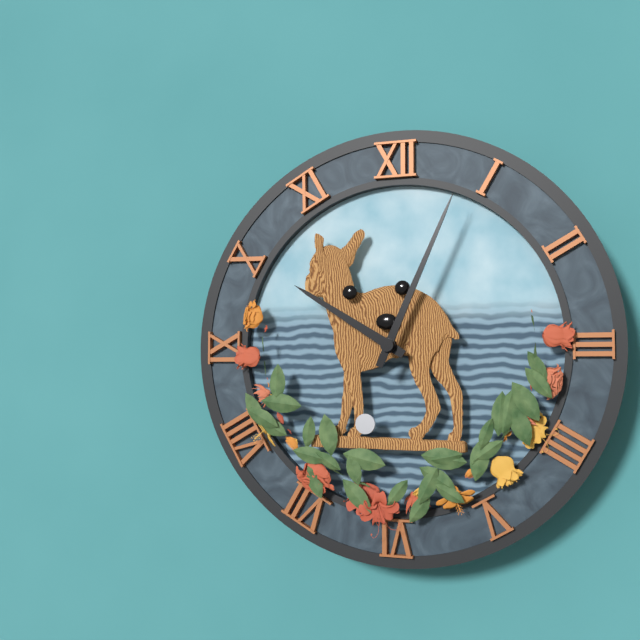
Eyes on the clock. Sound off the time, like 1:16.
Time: 10:04
